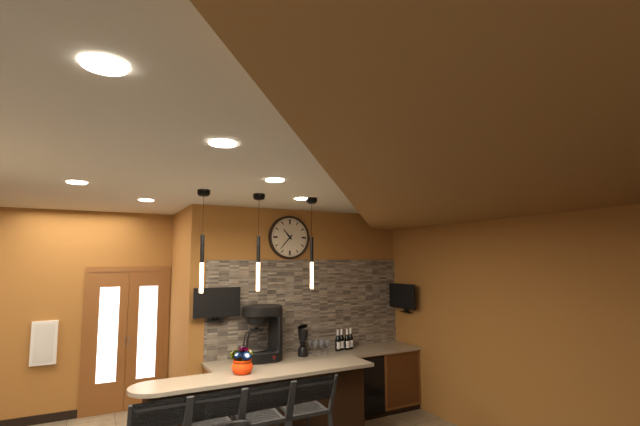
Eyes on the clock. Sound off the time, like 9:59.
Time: 10:37
